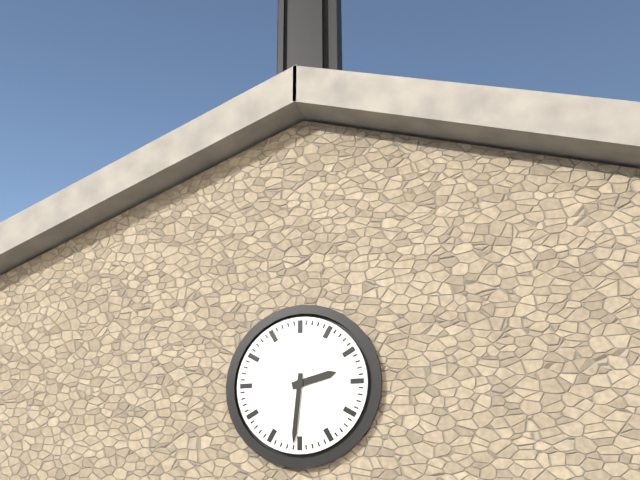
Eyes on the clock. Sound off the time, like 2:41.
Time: 2:31
